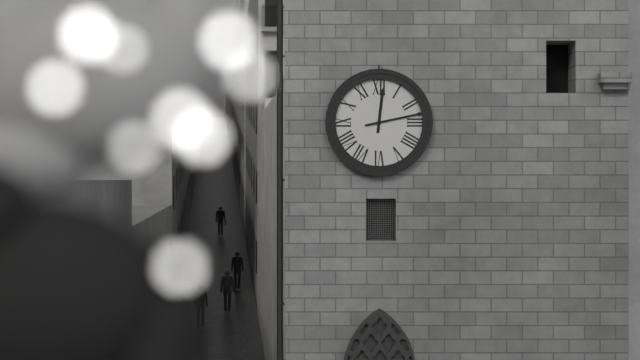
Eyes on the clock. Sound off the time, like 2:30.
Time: 12:13
